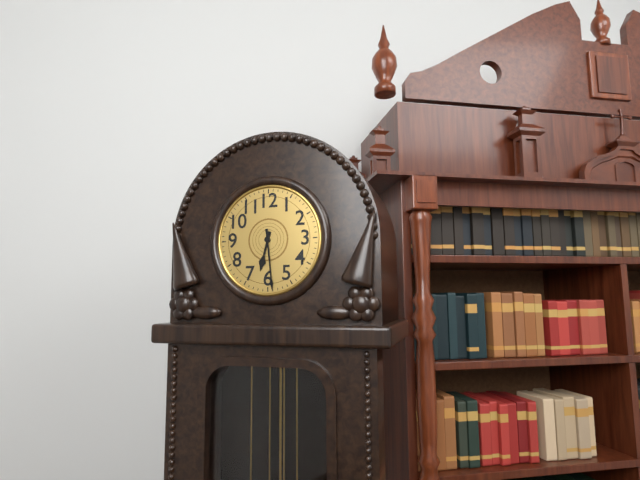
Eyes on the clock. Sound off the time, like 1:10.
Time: 6:29
